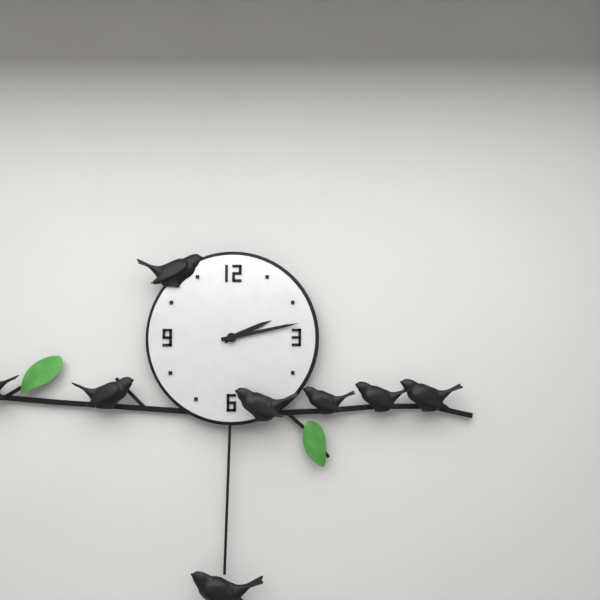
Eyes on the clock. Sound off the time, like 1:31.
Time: 2:13
